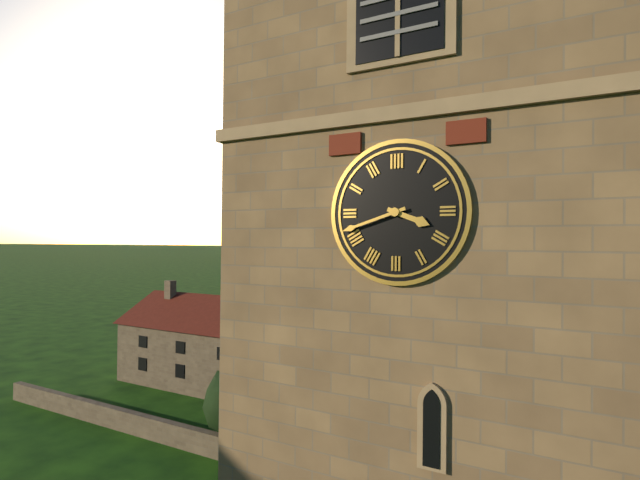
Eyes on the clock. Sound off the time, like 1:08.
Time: 3:42
